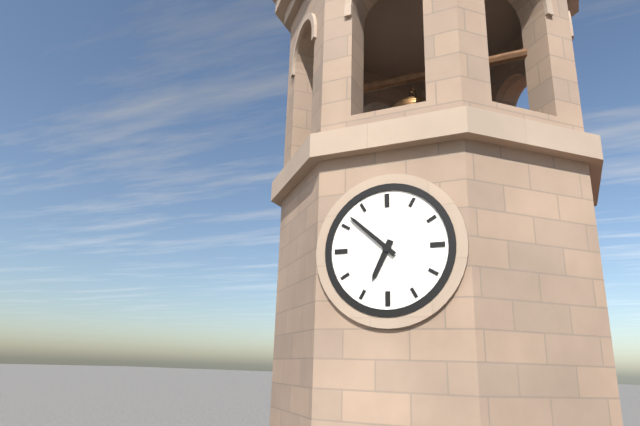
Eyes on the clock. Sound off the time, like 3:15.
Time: 6:52
